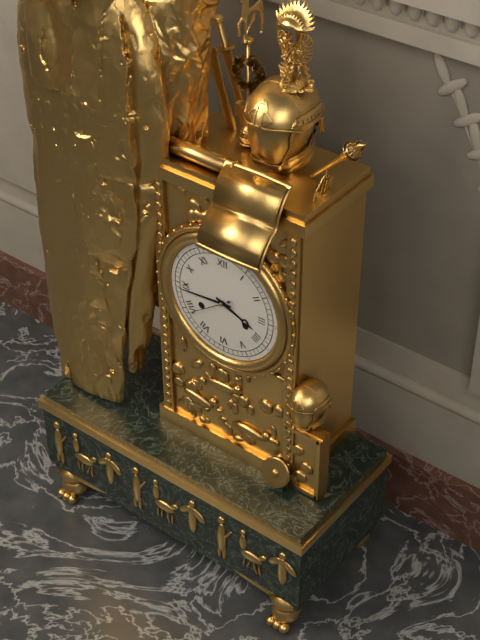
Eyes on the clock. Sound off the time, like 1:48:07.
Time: 3:44:39
